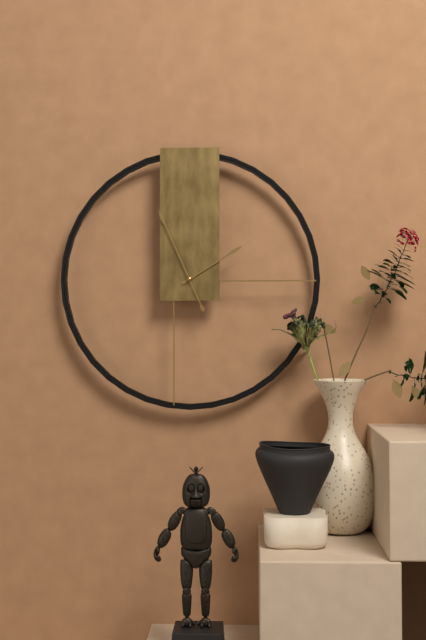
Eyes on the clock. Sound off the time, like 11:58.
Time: 1:56
